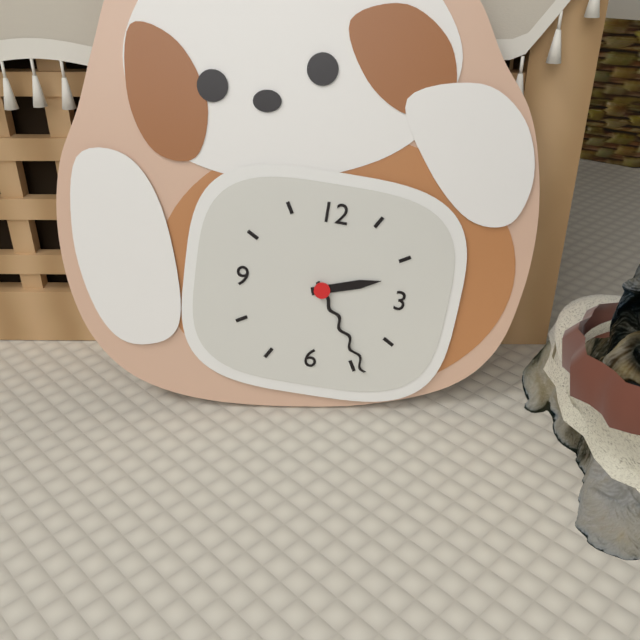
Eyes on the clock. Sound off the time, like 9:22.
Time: 2:24
